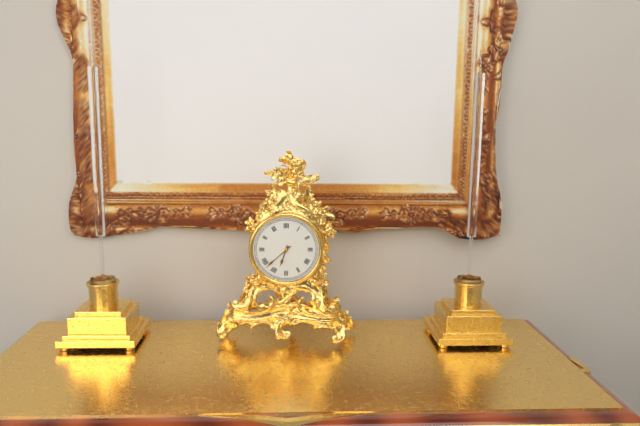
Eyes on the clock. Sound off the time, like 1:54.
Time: 6:38
